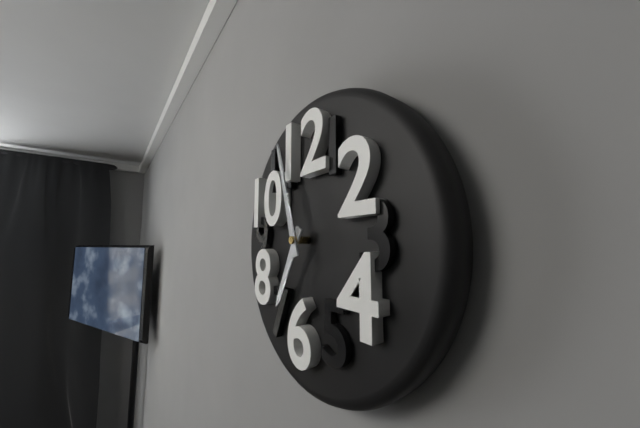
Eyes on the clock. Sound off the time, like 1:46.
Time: 6:57
